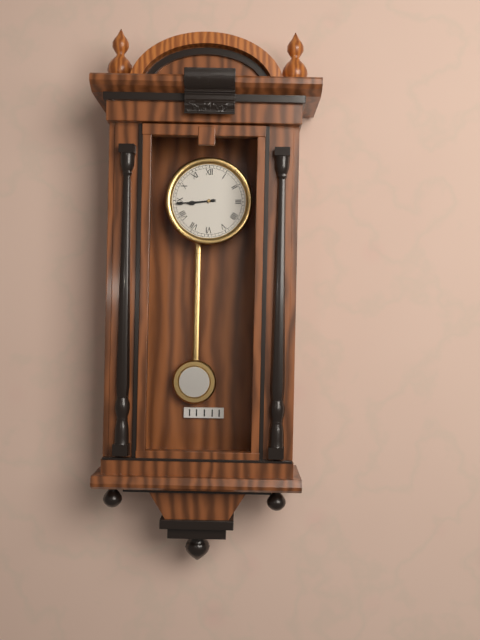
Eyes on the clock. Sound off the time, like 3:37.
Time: 8:44
